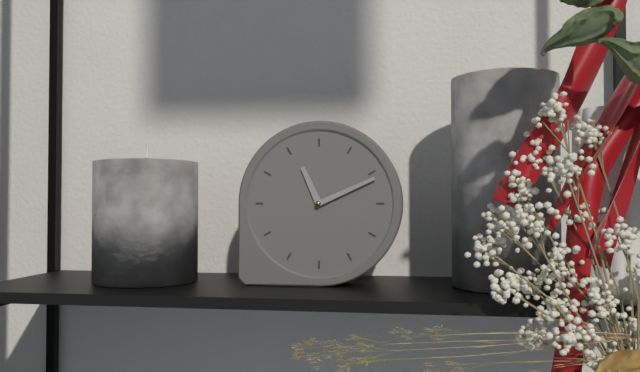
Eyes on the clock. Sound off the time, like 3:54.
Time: 11:11
